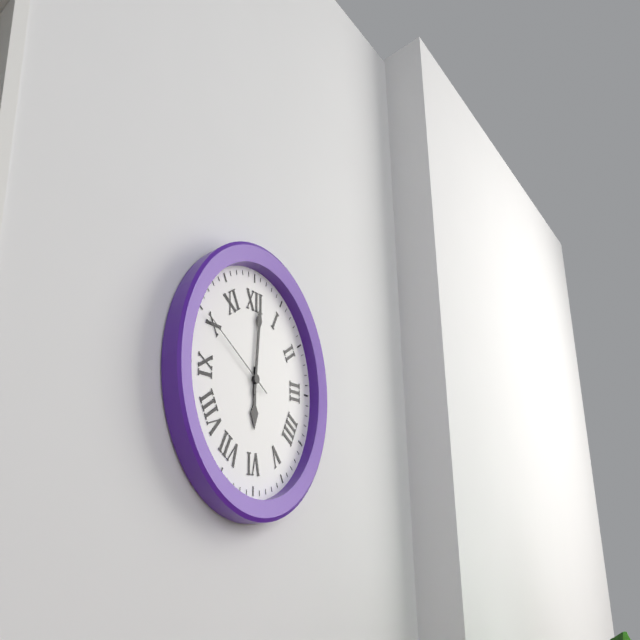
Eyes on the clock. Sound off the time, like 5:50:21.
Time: 6:01:50
